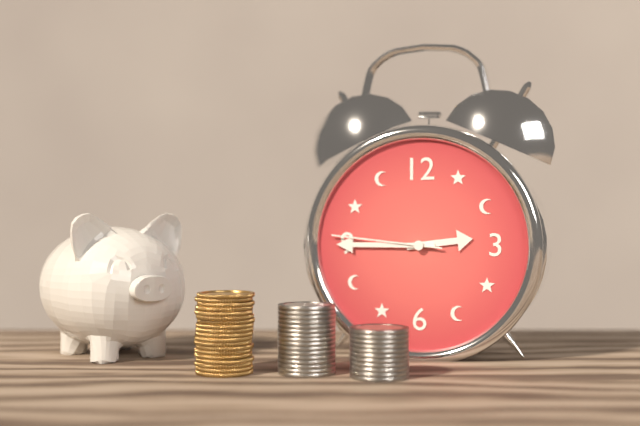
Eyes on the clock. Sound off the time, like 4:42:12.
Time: 2:45:46
